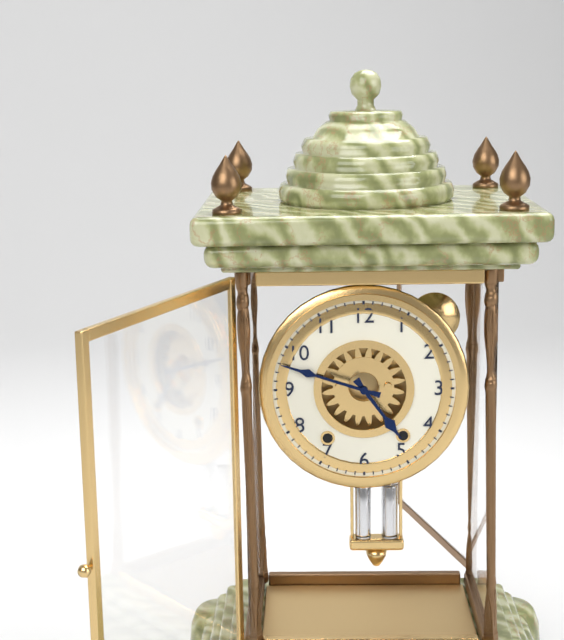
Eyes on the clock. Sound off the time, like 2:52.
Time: 4:48
